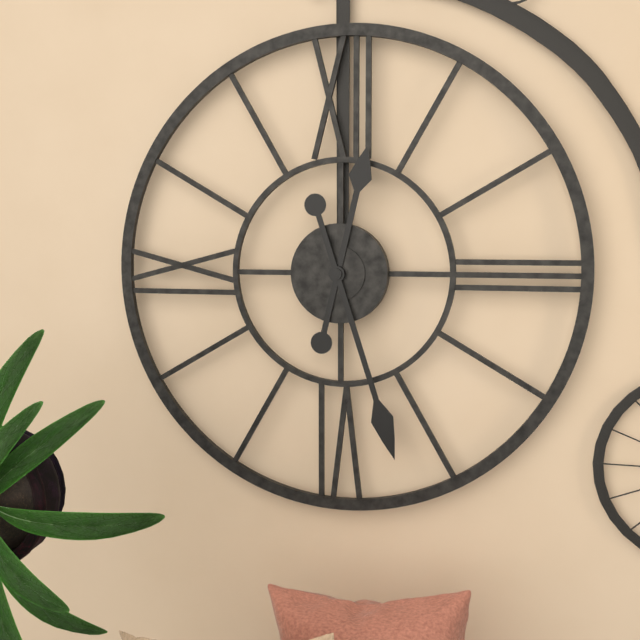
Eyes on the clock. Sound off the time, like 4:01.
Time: 12:27
